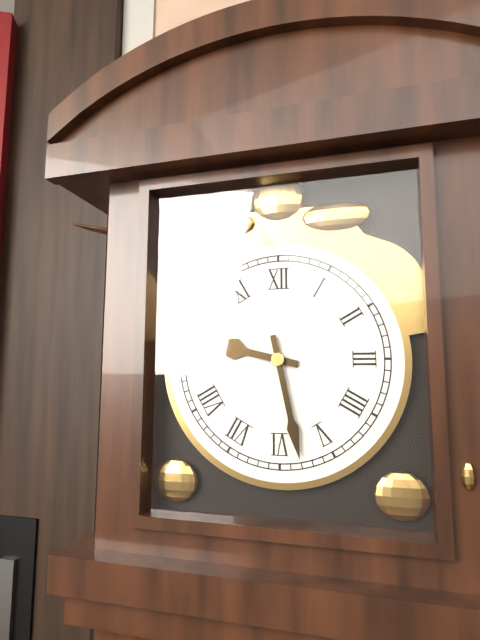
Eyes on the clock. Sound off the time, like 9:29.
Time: 9:28
